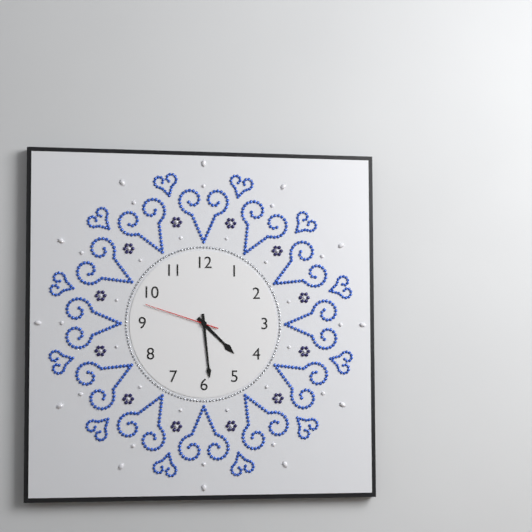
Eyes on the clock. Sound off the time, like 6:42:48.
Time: 4:29:48
